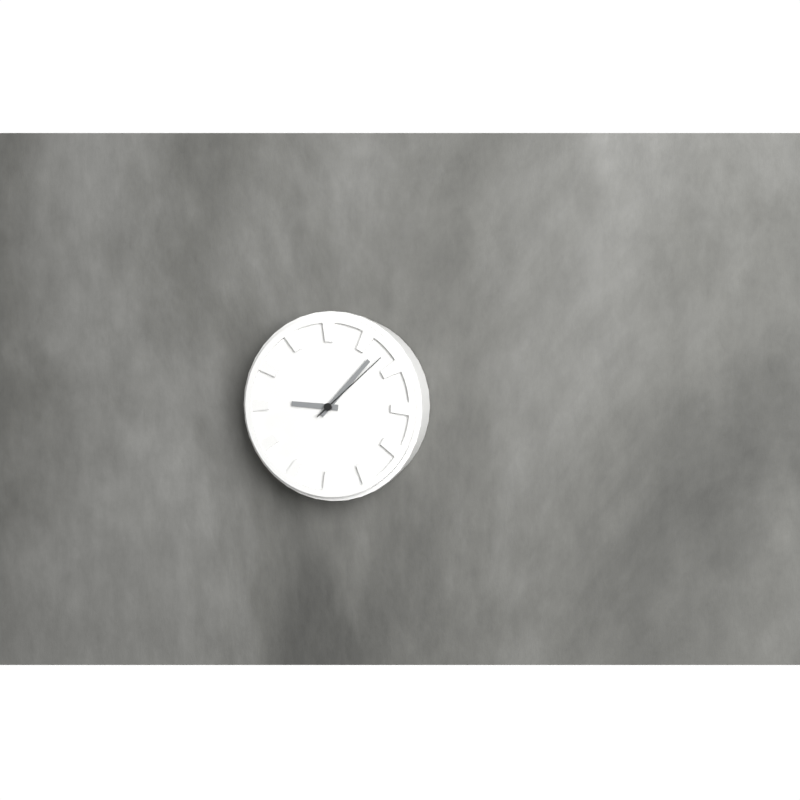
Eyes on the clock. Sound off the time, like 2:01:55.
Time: 9:07:08
